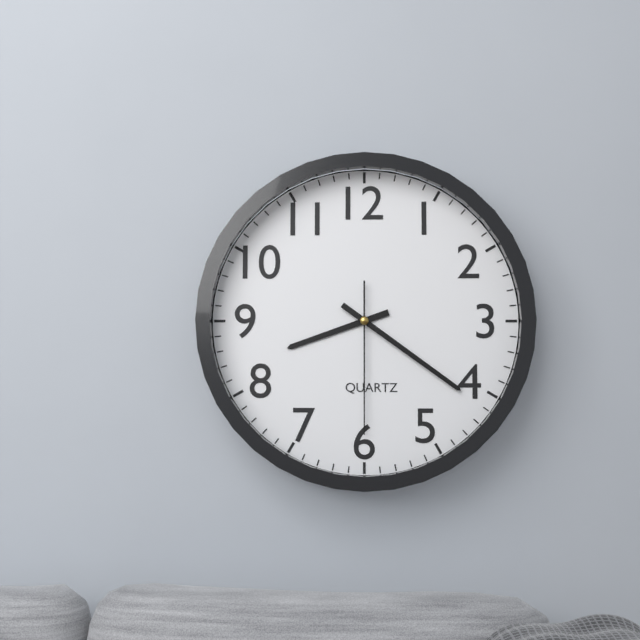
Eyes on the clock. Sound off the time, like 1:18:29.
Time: 8:21:30
